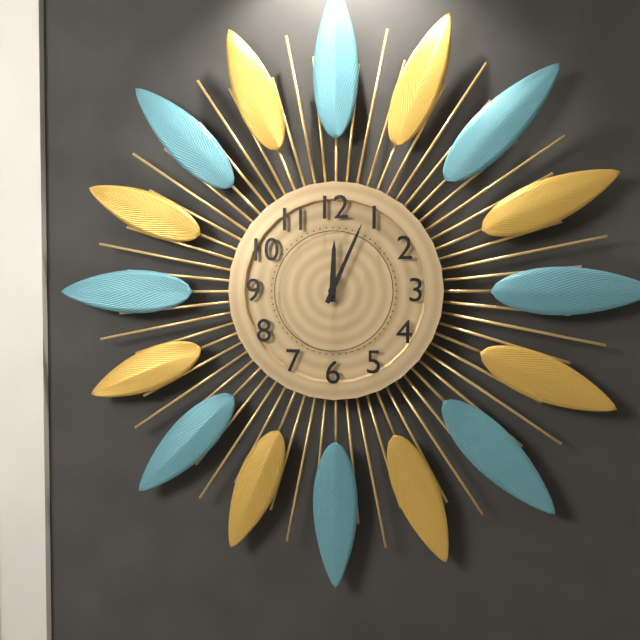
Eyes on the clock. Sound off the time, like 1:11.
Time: 12:04
